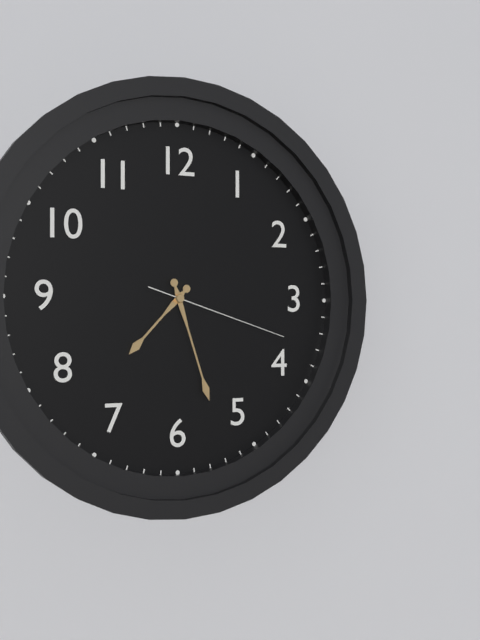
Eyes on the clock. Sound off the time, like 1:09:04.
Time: 7:27:18
